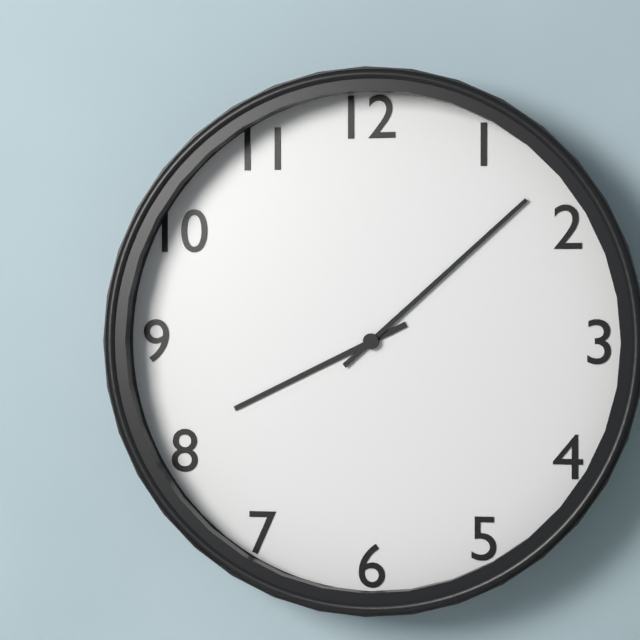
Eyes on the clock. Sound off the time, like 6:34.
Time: 8:08
